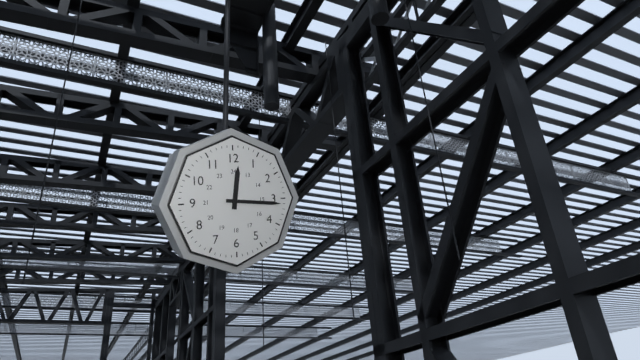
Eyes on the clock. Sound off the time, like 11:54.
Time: 12:16
